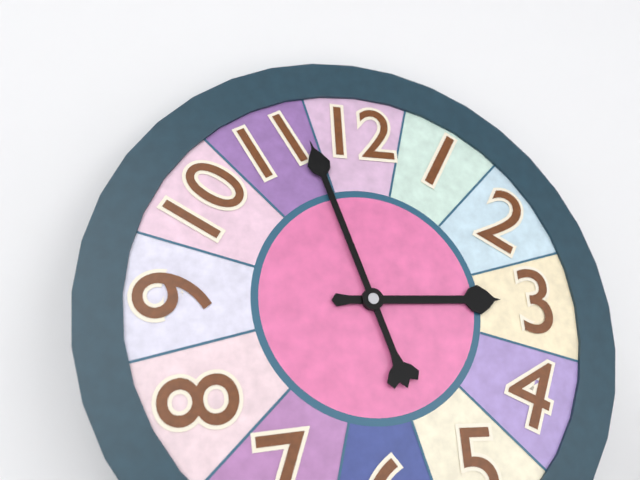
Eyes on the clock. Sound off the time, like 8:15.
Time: 2:57
